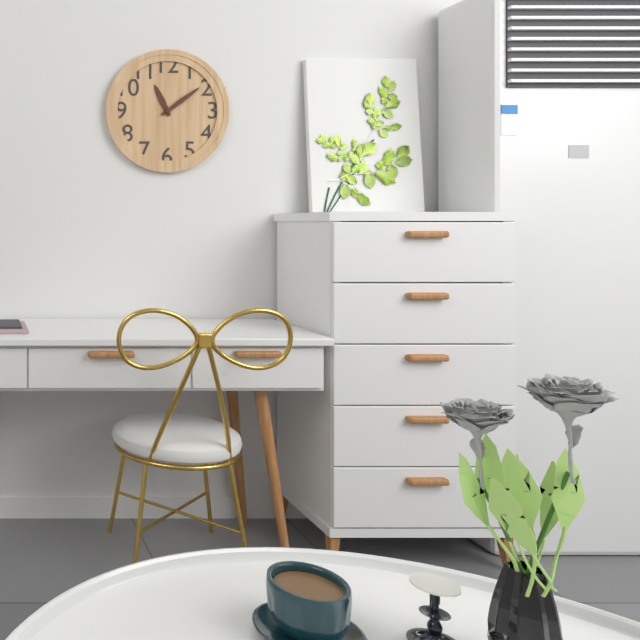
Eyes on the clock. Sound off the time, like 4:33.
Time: 11:09
